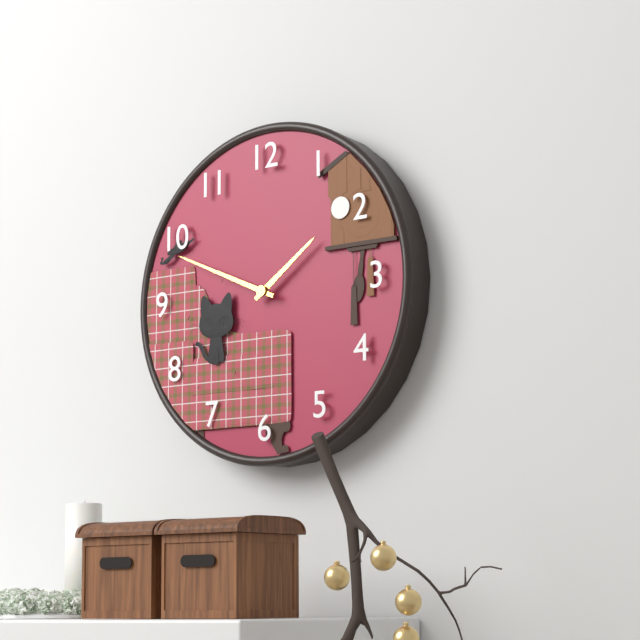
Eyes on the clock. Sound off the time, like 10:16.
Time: 1:49
